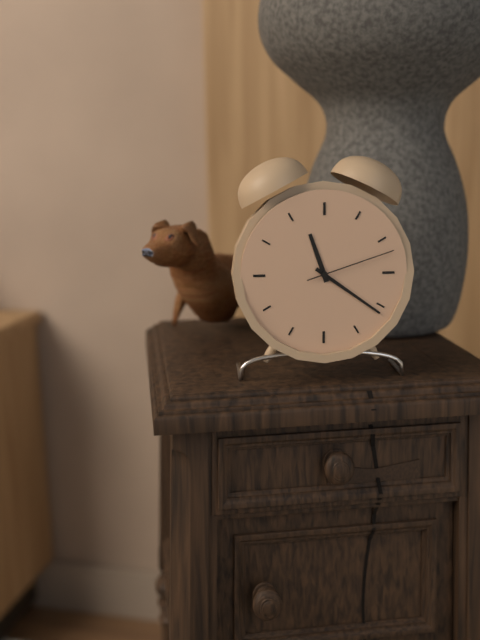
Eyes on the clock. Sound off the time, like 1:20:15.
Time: 11:21:12
